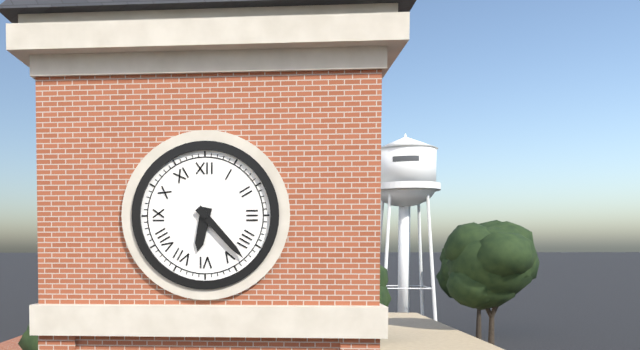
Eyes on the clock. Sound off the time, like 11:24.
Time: 6:23
